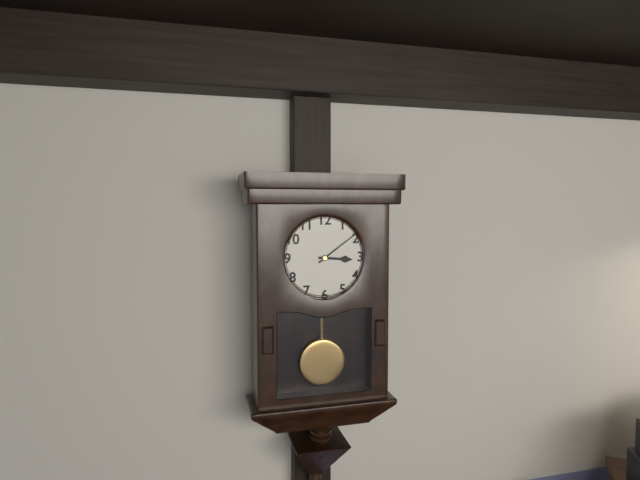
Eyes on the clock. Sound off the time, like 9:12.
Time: 3:09
